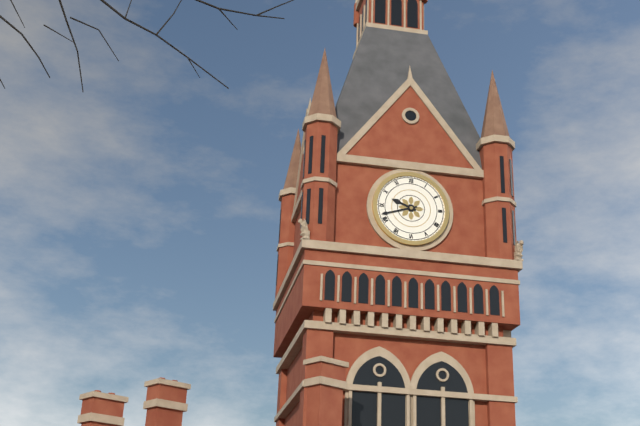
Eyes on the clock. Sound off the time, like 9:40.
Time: 9:42
